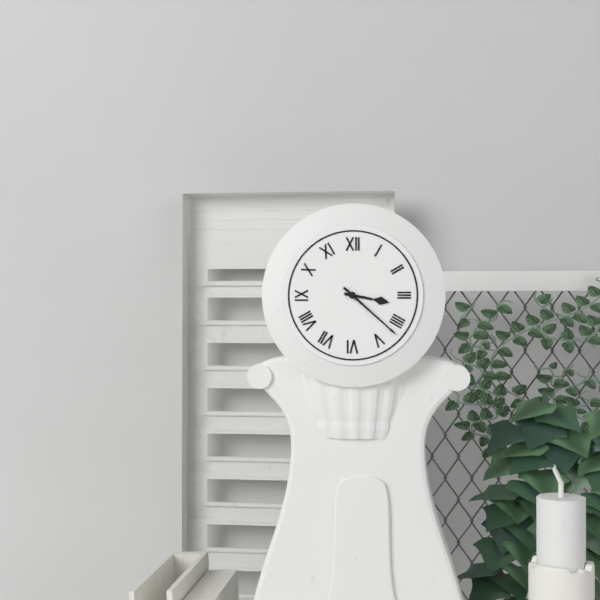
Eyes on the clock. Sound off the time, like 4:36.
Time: 3:22
